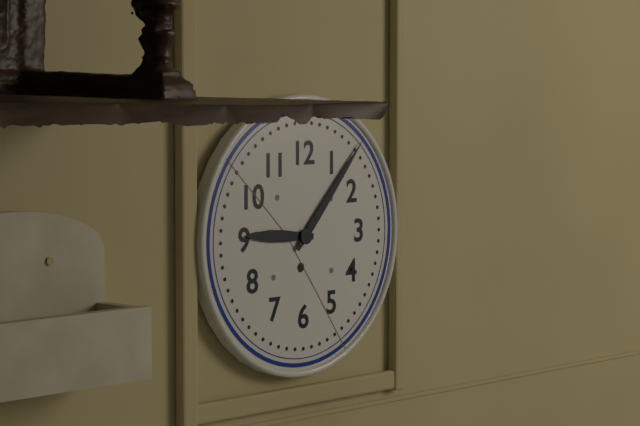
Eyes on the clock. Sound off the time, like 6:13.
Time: 9:07
